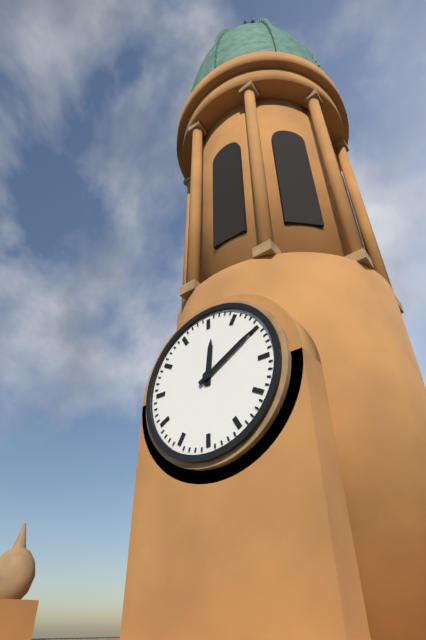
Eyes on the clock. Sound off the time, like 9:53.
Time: 12:10
